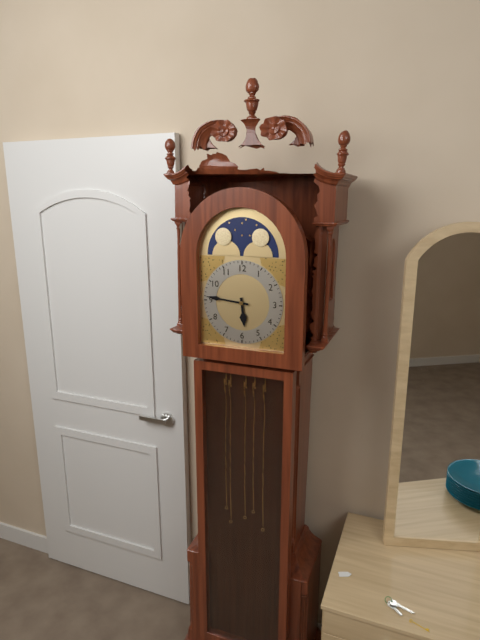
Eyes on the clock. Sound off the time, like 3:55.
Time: 5:46
